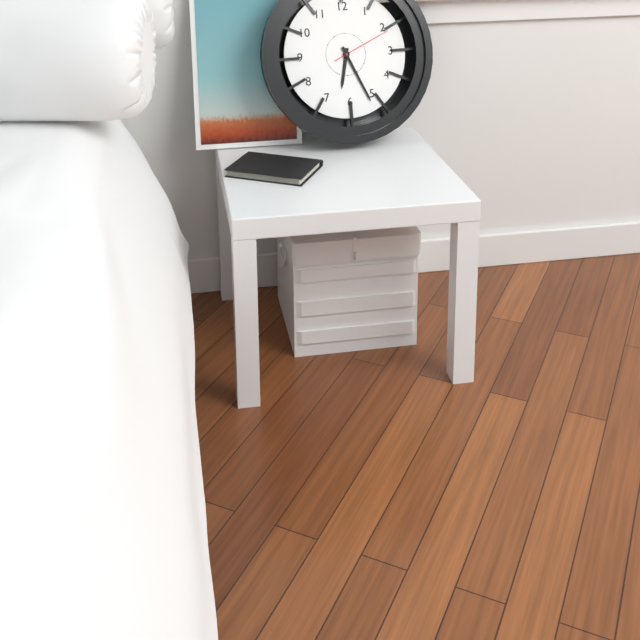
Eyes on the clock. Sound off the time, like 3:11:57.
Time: 6:26:11
